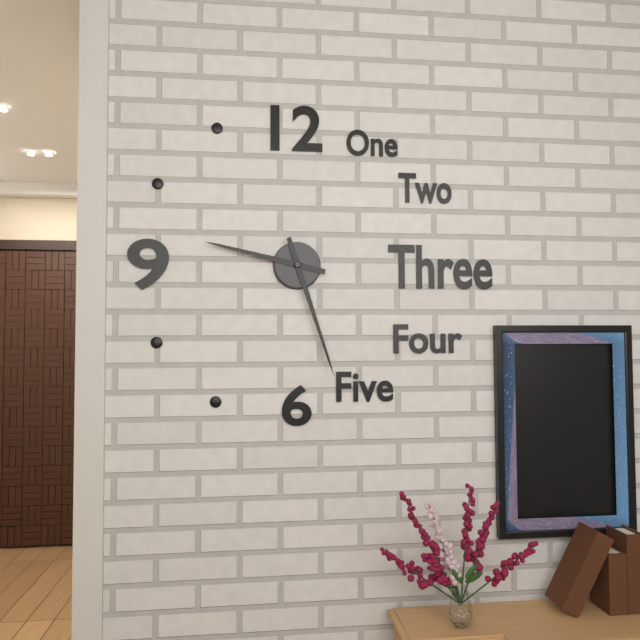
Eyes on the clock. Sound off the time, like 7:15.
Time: 9:27
